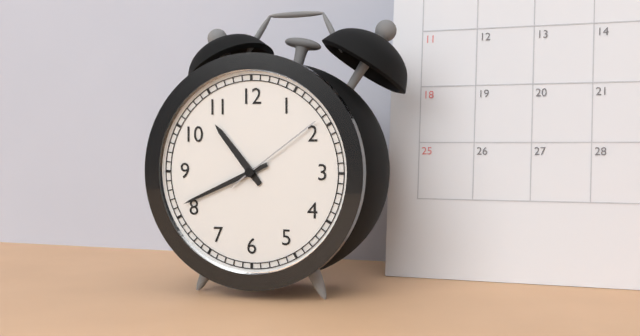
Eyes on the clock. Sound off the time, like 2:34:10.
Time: 10:41:09
